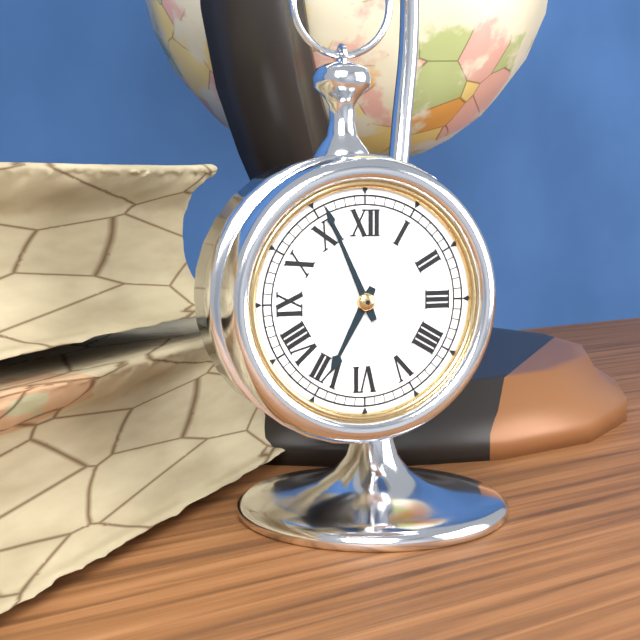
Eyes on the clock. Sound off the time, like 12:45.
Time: 6:56
